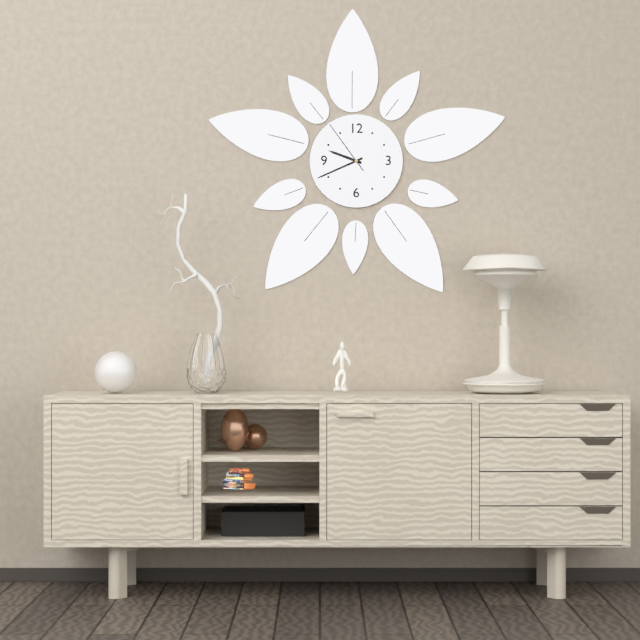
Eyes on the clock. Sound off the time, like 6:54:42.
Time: 9:41:54
